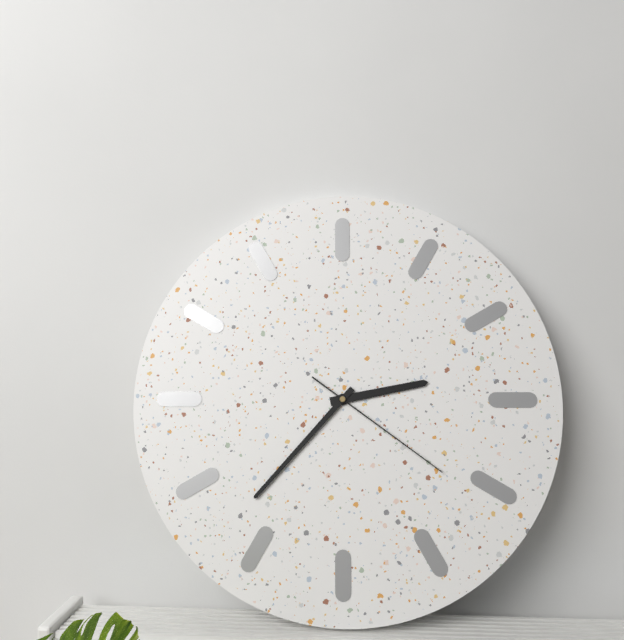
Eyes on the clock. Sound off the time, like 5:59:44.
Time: 2:37:21
